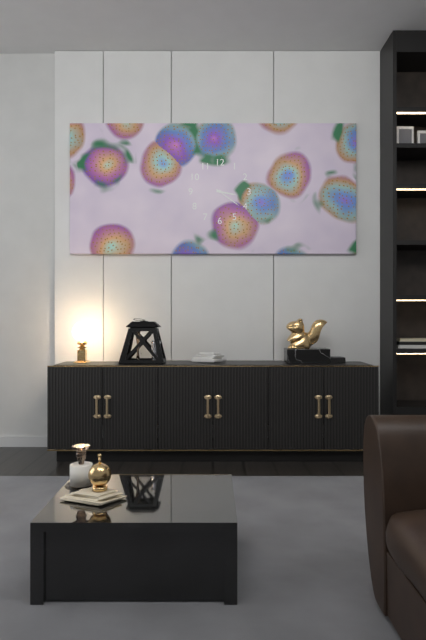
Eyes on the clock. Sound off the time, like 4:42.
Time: 3:21
